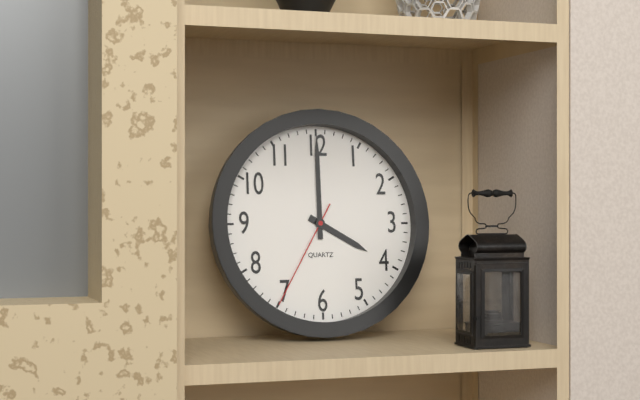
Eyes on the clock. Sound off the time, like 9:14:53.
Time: 4:00:35
